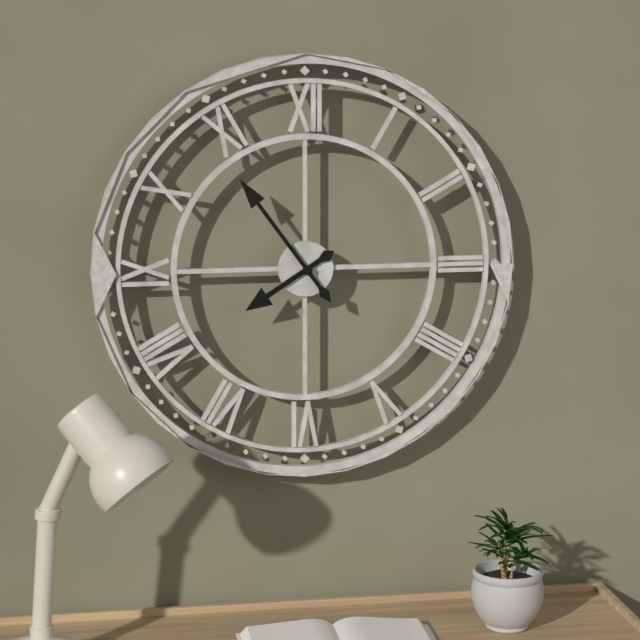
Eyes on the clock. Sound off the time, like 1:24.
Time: 7:54
